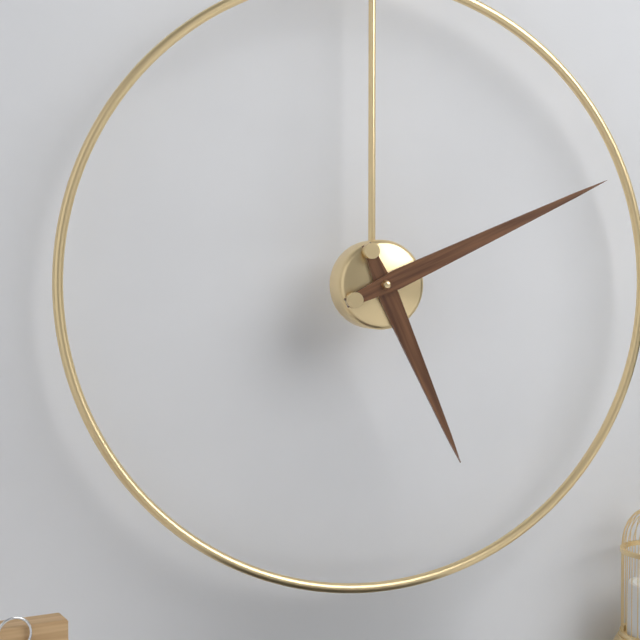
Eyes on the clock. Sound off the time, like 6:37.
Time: 5:11
